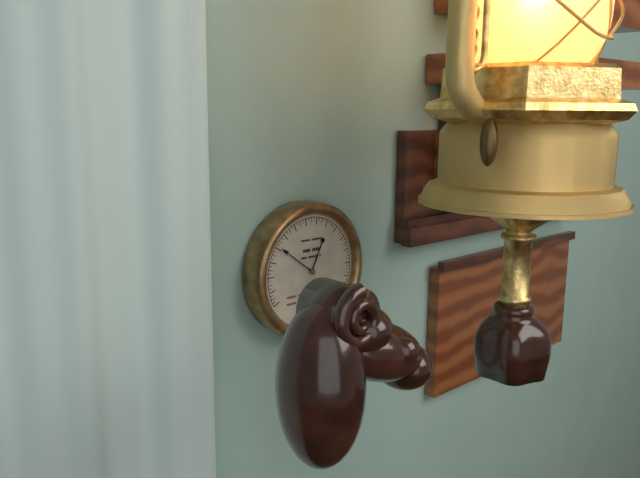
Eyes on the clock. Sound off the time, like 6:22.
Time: 12:51
